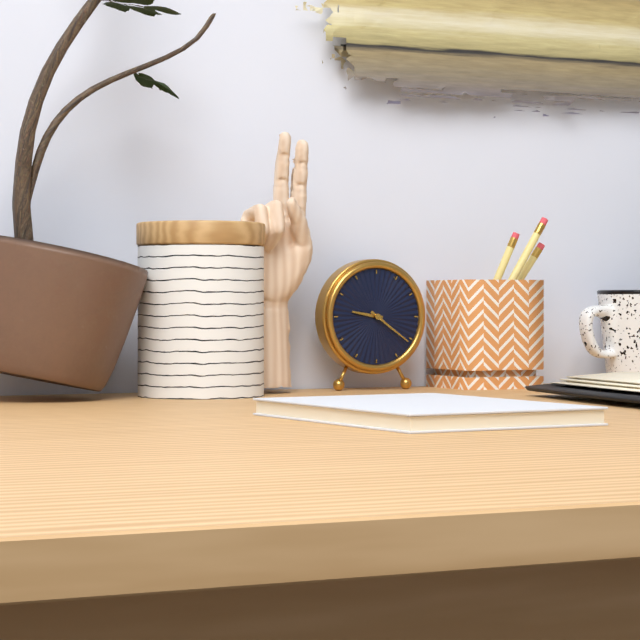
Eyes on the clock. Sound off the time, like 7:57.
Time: 9:21
